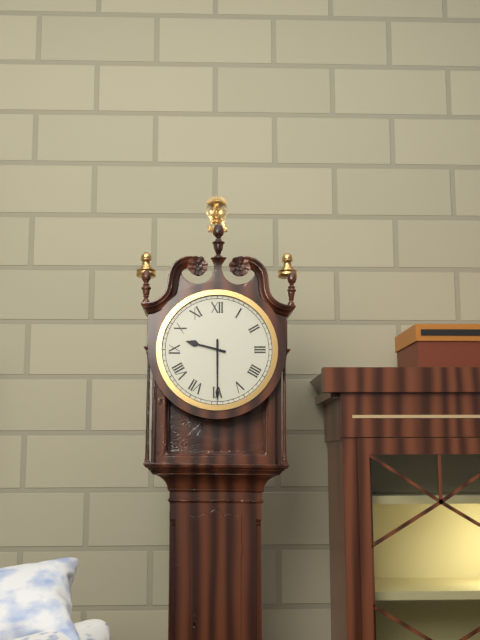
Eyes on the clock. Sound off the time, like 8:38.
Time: 9:30
